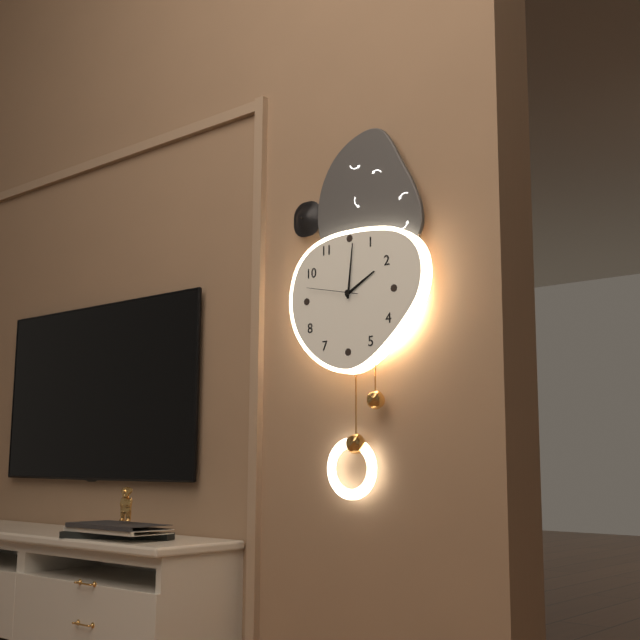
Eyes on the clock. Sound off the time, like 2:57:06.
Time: 2:01:47
